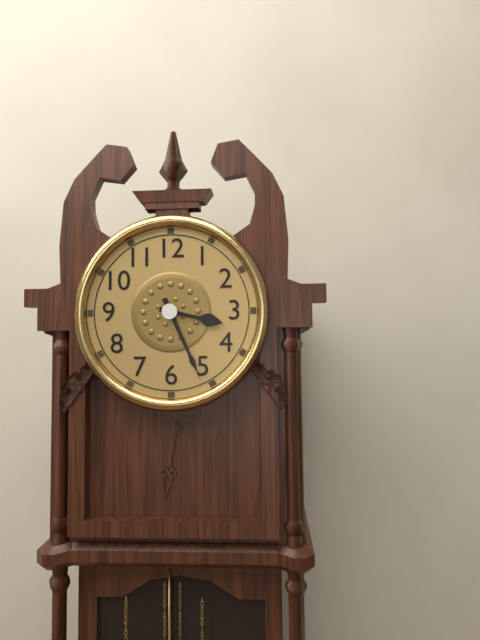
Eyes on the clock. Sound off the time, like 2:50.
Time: 3:26
